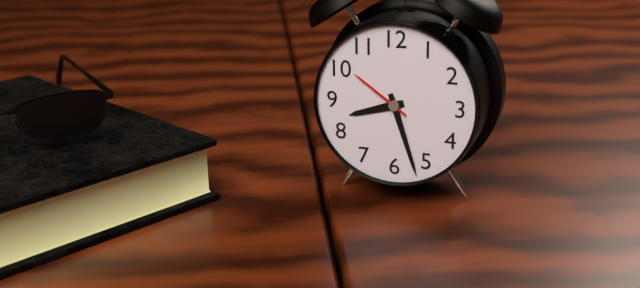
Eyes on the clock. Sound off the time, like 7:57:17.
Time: 8:27:51
